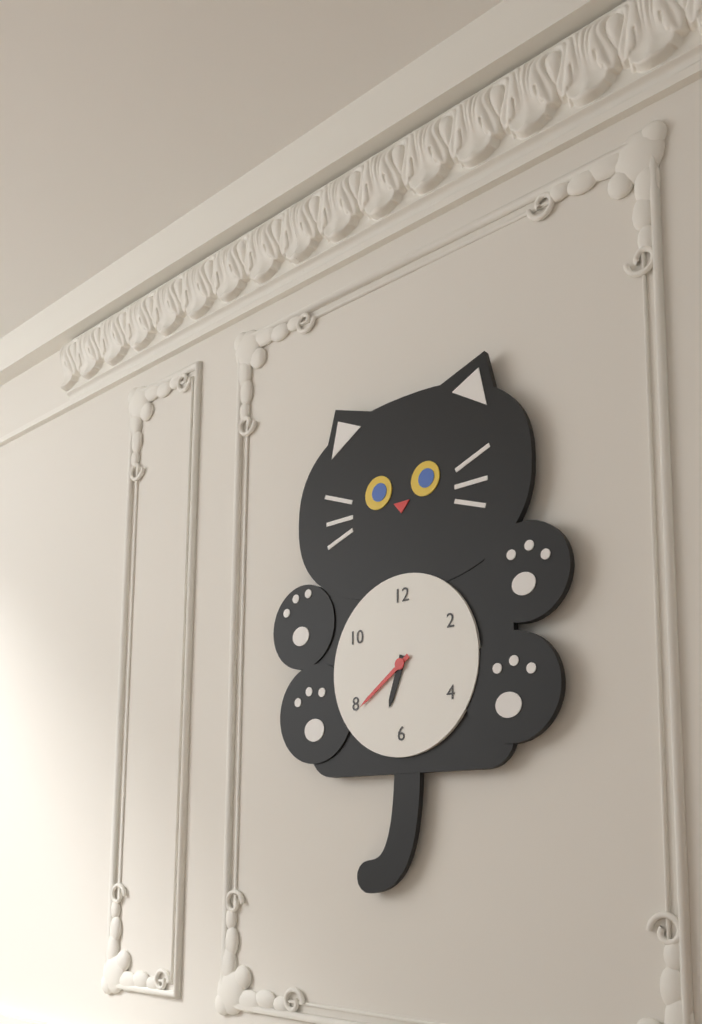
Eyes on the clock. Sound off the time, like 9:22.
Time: 6:39
